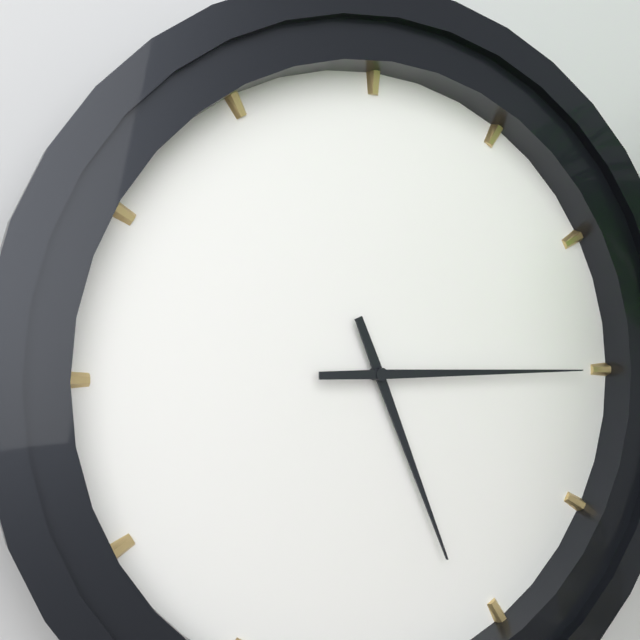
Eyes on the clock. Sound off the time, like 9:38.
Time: 5:15
